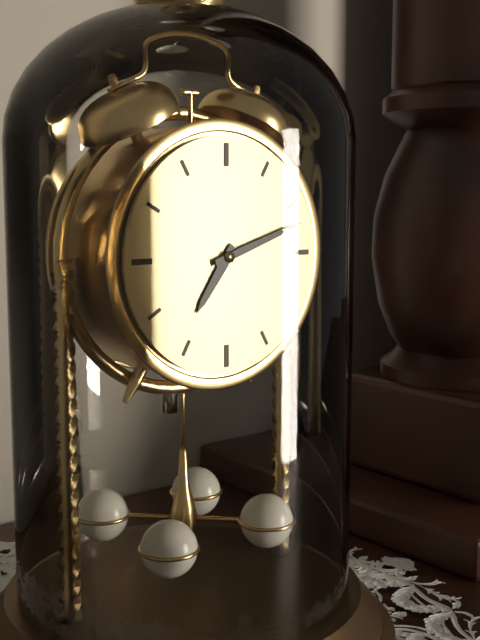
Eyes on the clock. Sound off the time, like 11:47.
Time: 7:12
